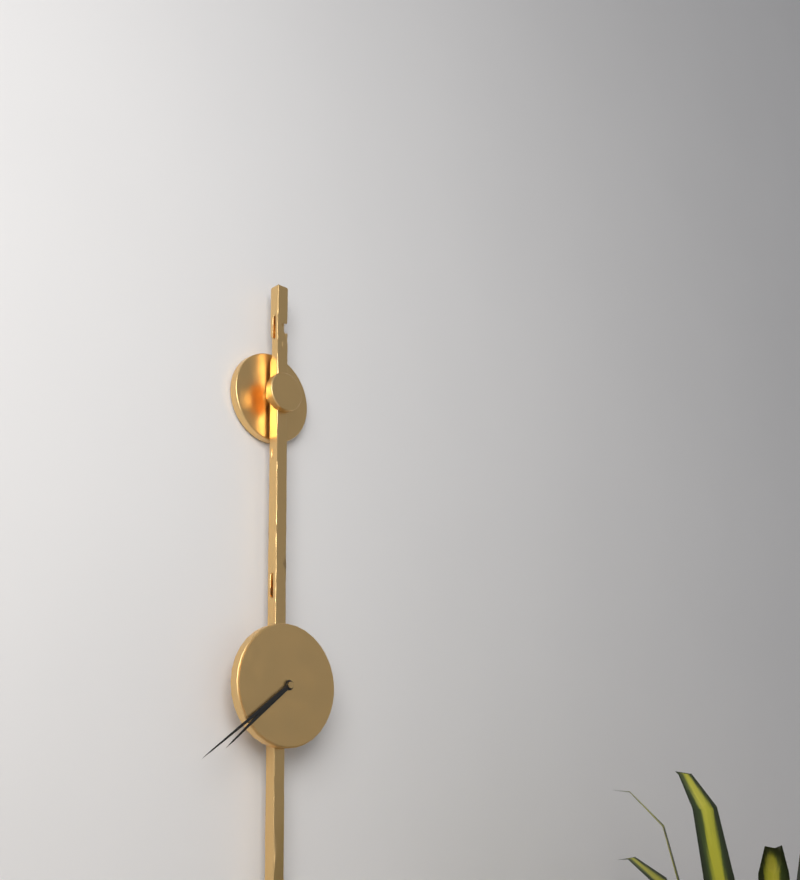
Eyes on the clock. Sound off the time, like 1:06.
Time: 7:39
